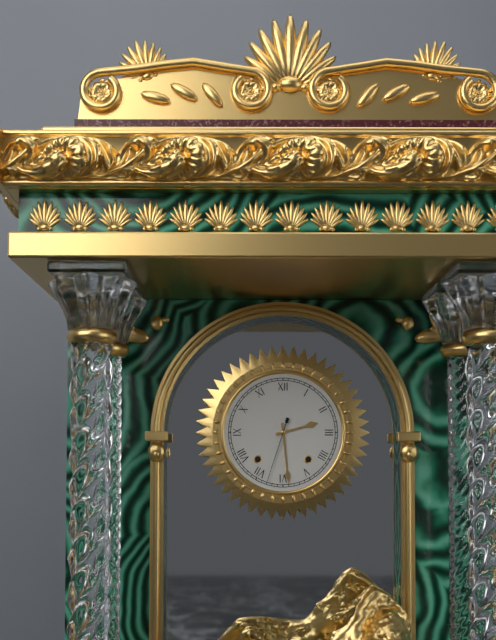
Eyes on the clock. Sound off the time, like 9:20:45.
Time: 2:29:33
